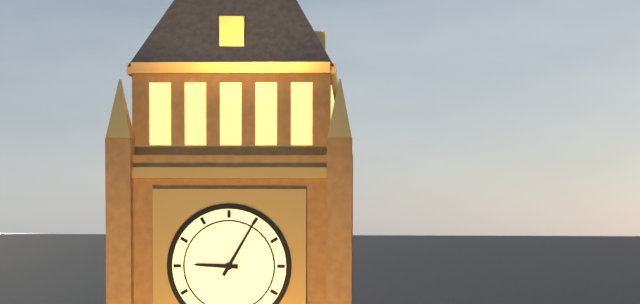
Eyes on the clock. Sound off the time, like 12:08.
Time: 9:05
